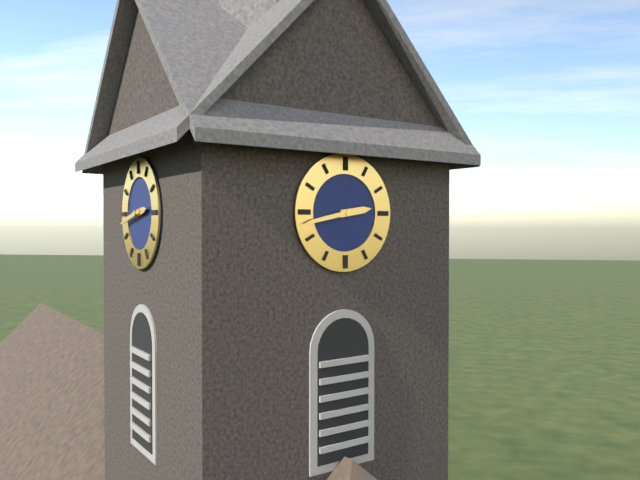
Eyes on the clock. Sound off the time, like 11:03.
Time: 2:43
